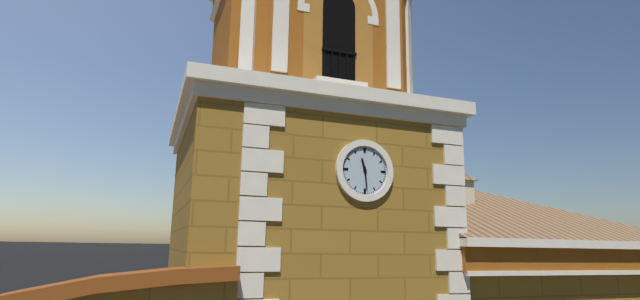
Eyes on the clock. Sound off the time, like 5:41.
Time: 11:29
